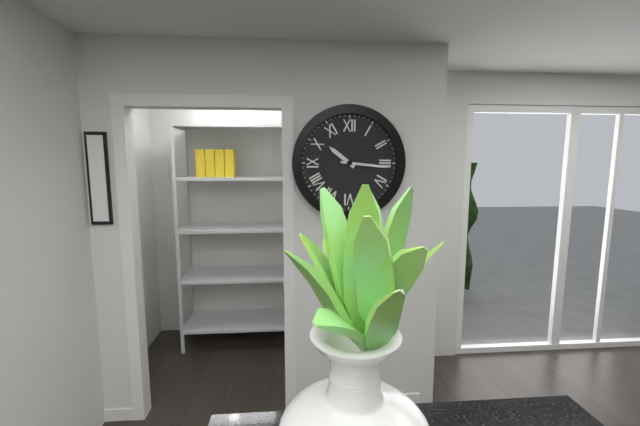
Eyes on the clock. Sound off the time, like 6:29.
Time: 10:16
